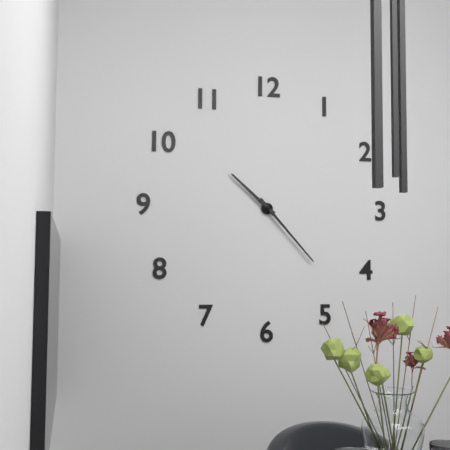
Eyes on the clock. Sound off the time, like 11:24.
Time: 10:23
